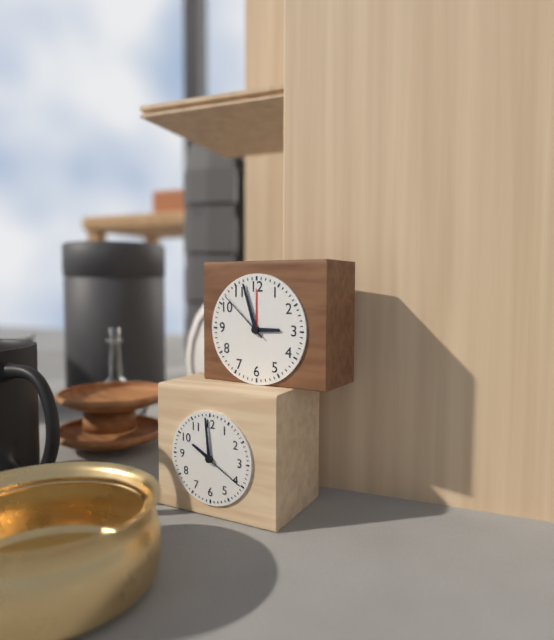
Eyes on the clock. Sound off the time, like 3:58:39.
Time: 2:57:52
